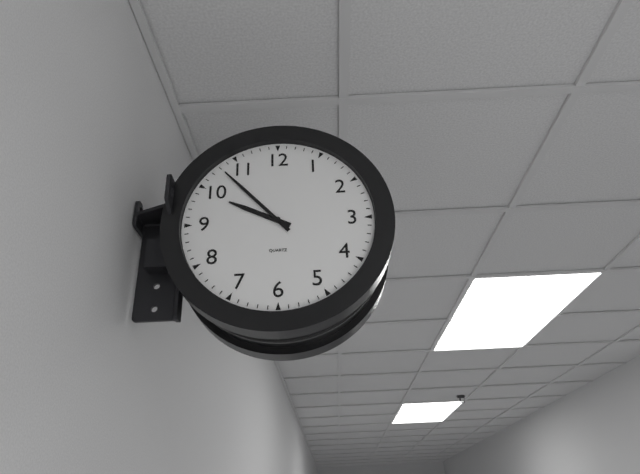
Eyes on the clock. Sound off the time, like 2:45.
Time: 9:53
